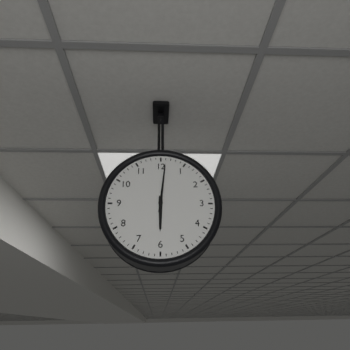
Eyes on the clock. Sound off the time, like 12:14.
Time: 6:01
